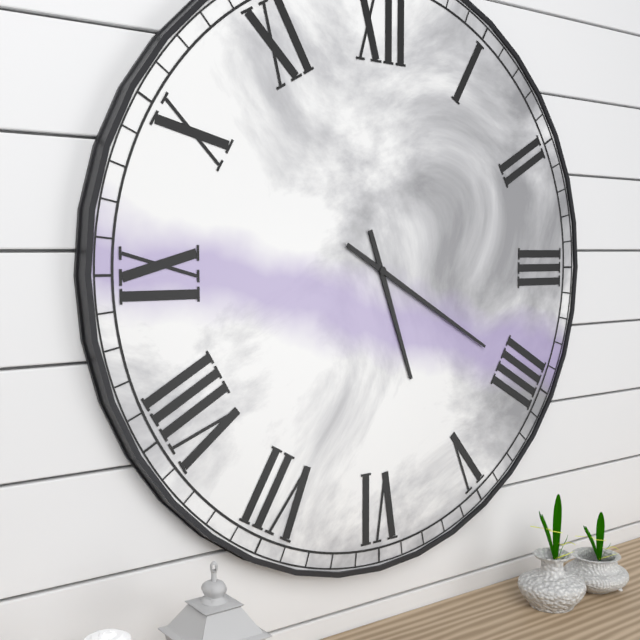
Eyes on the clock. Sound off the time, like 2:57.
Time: 5:20
